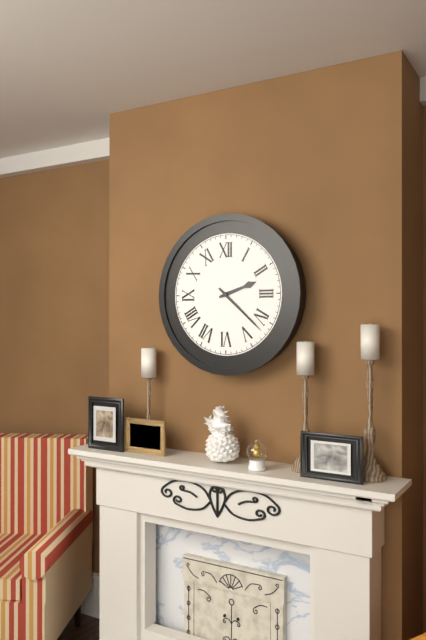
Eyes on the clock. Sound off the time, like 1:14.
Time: 2:22
